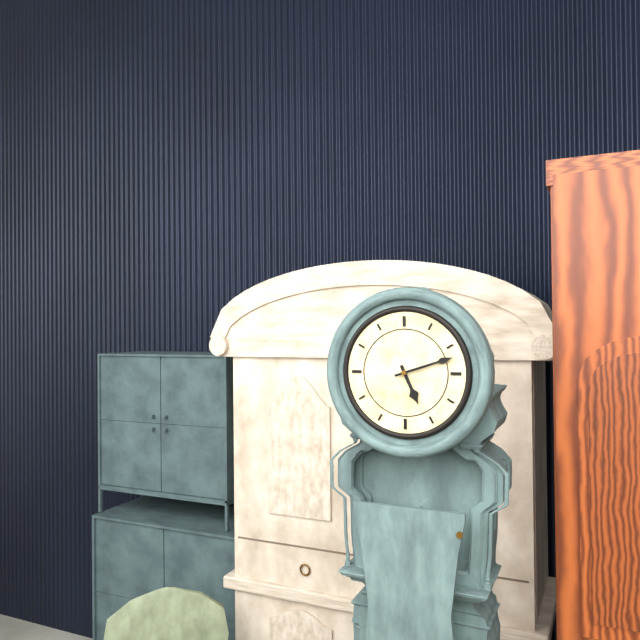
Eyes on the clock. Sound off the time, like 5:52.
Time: 5:12
